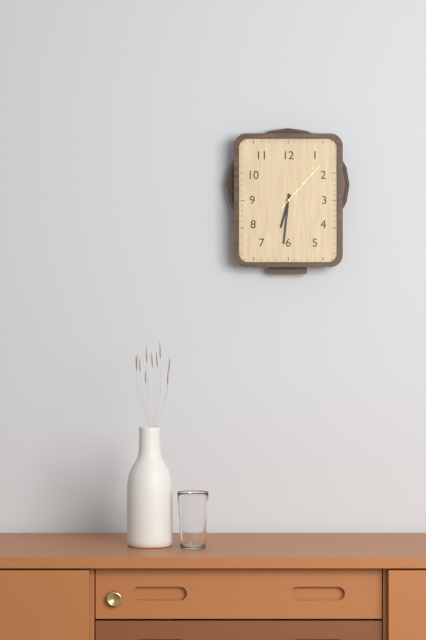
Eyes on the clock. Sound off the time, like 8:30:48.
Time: 6:31:07
